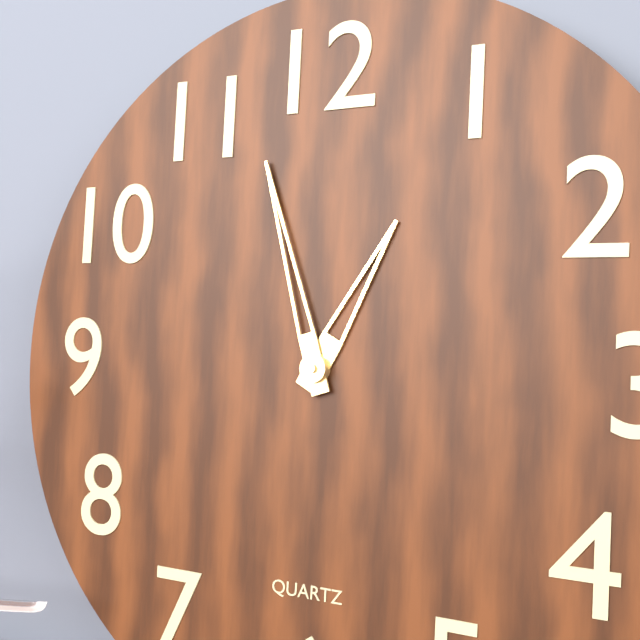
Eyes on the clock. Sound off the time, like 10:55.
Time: 12:57
